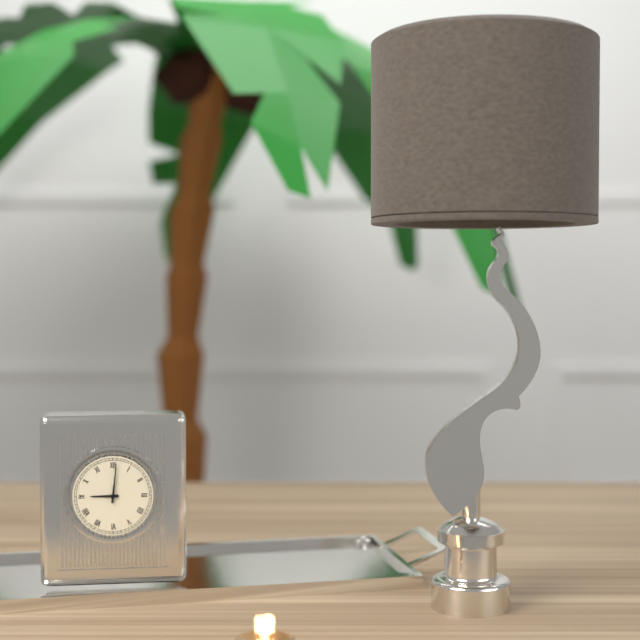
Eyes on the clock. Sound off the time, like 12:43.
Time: 9:01
